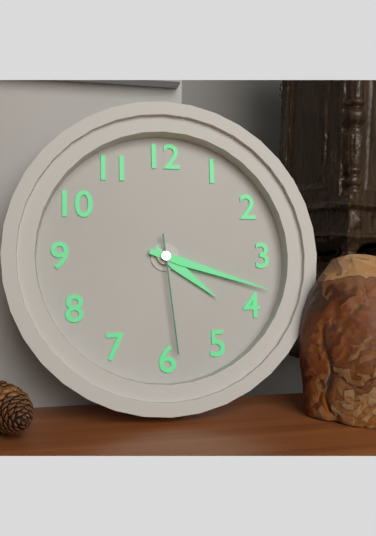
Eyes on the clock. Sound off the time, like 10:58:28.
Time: 4:18:29
